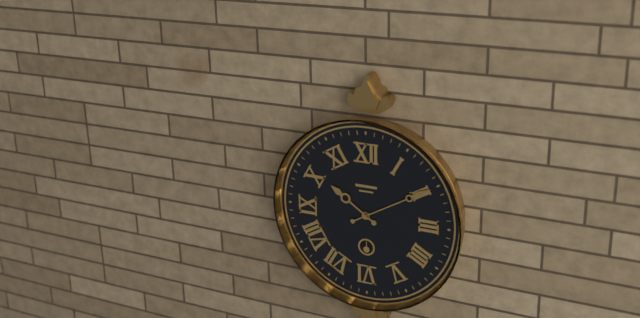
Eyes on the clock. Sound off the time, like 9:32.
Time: 10:10
